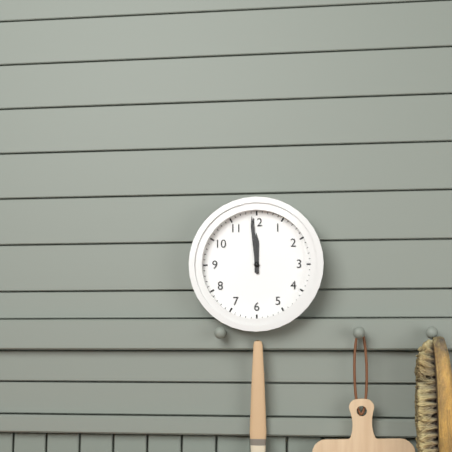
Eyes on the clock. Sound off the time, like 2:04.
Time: 11:59
